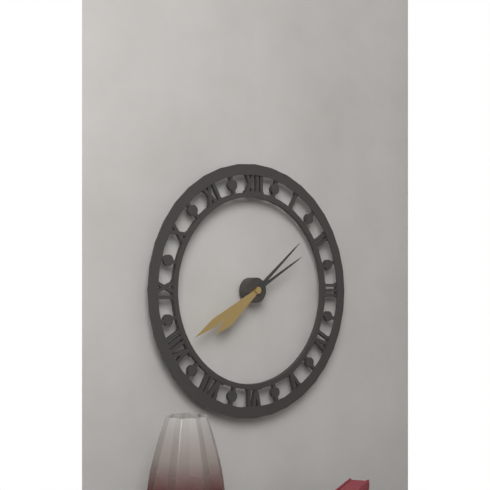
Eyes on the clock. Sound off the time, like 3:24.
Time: 7:40
